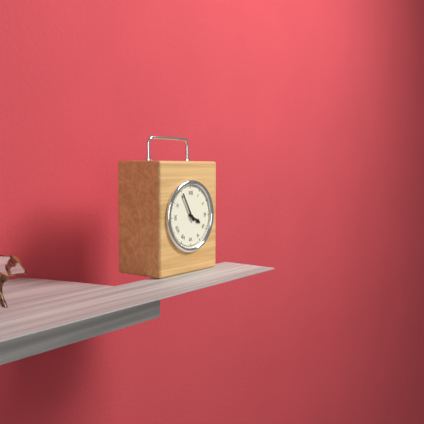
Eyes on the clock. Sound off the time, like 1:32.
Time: 3:55
